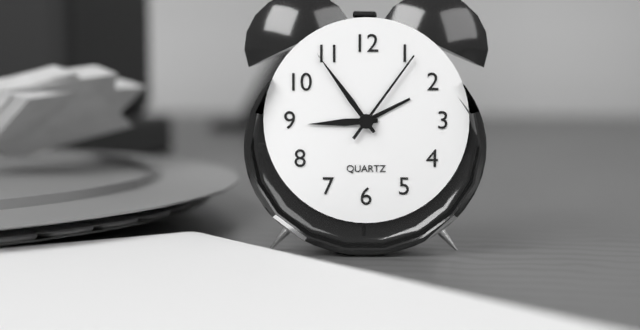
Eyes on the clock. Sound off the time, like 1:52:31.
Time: 8:54:06
